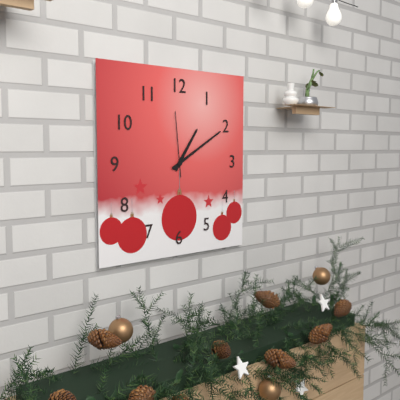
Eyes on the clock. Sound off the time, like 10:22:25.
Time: 1:10:59
